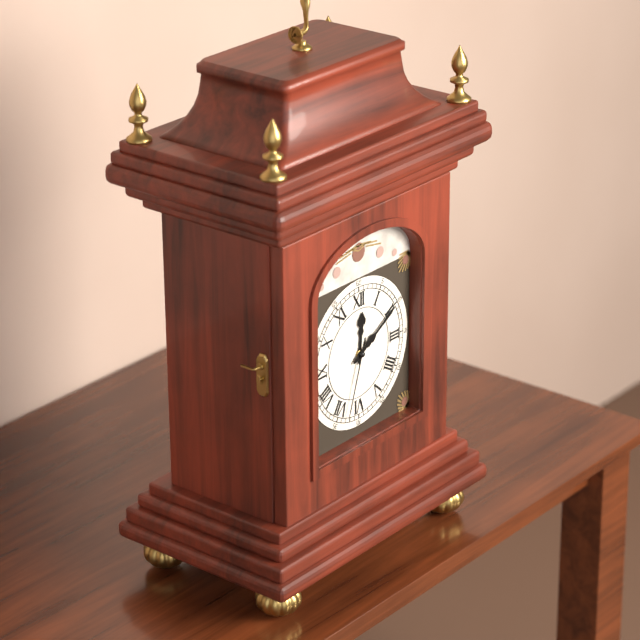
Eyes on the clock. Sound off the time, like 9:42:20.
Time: 12:10:33
